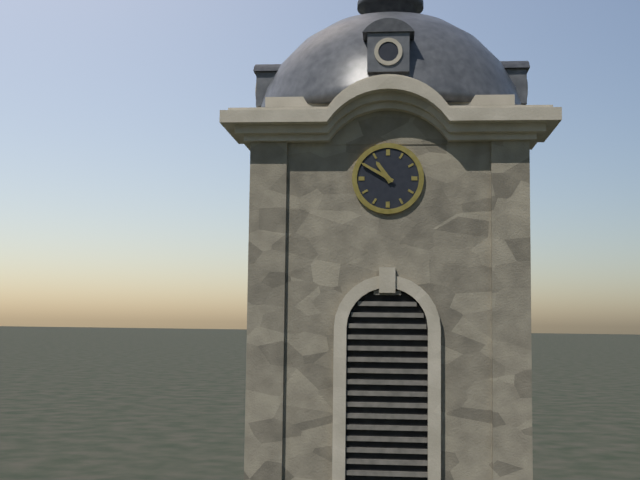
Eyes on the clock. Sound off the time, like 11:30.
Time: 10:50
